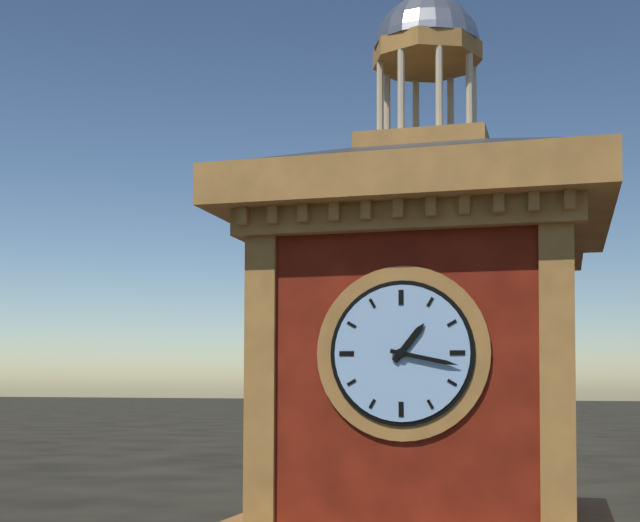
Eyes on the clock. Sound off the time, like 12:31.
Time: 1:17
